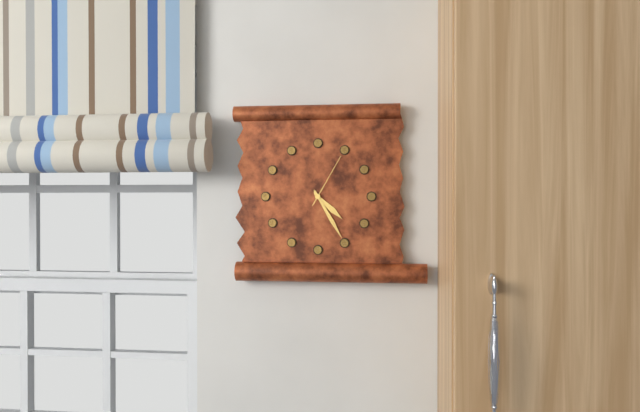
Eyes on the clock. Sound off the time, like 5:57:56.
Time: 4:25:05
